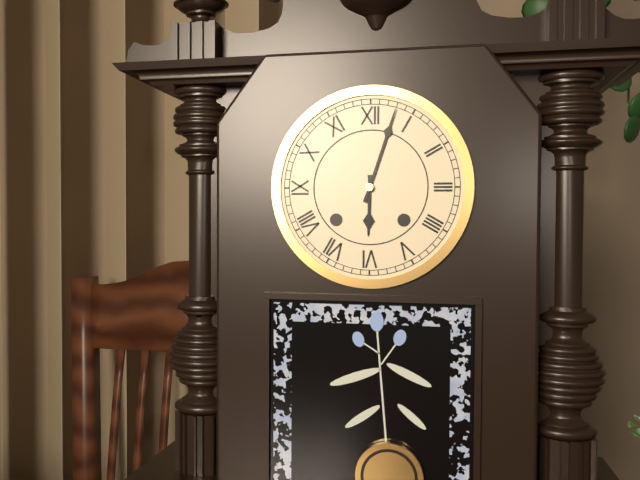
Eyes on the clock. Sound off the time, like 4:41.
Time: 6:03
